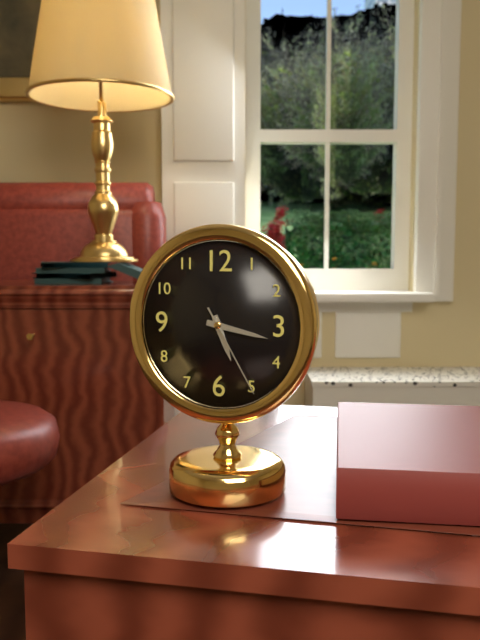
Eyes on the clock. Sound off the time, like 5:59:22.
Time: 5:17:25
